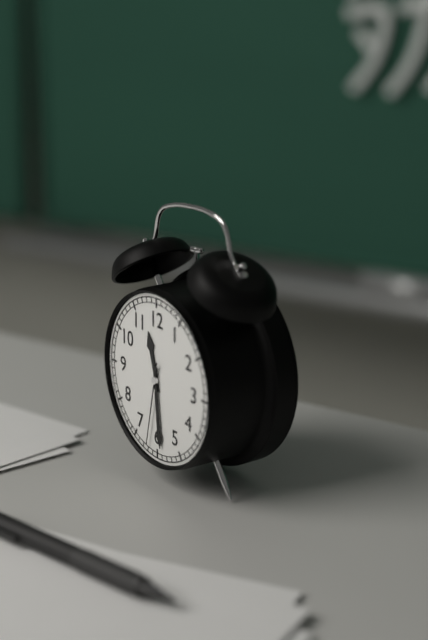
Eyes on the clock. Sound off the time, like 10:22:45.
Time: 11:29:32
